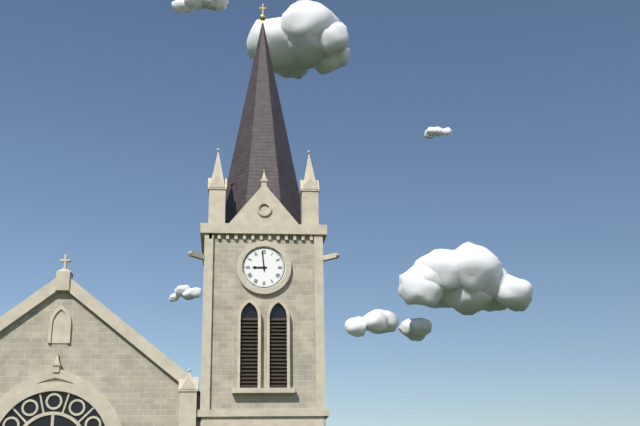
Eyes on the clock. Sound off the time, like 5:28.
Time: 8:59
